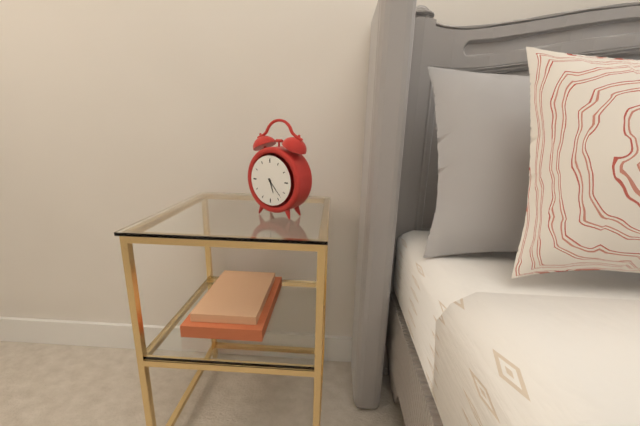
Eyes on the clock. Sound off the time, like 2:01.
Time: 5:23
